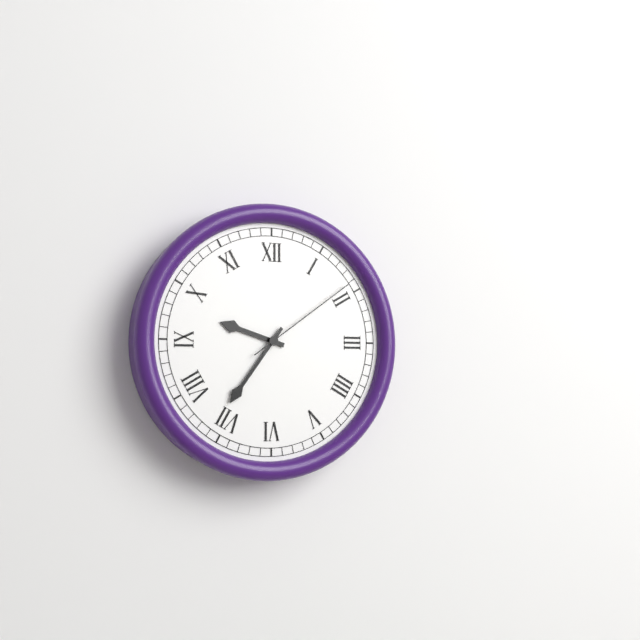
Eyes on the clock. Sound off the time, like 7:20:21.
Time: 9:36:09
